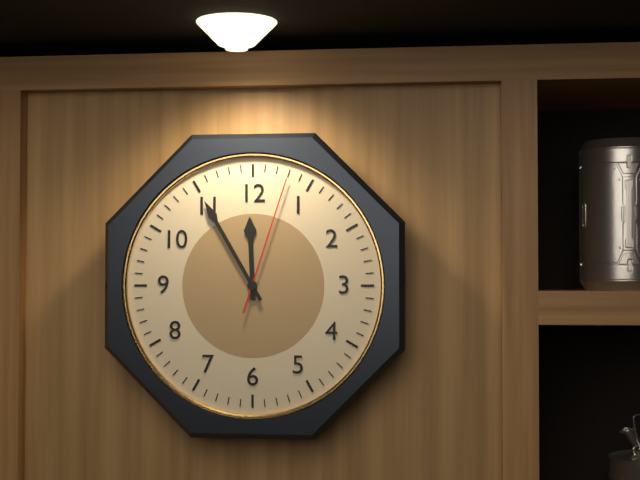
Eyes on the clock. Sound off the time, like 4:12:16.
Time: 11:55:03
